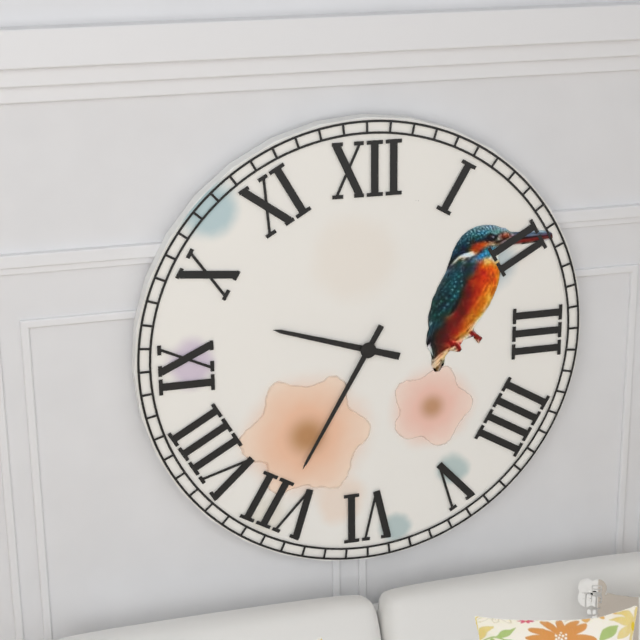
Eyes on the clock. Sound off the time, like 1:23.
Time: 9:35
